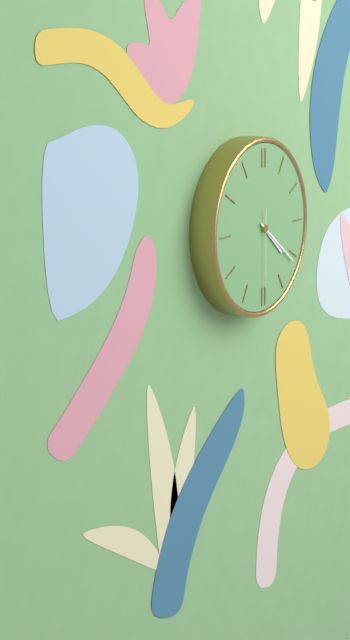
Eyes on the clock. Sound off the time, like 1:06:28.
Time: 4:21:30
